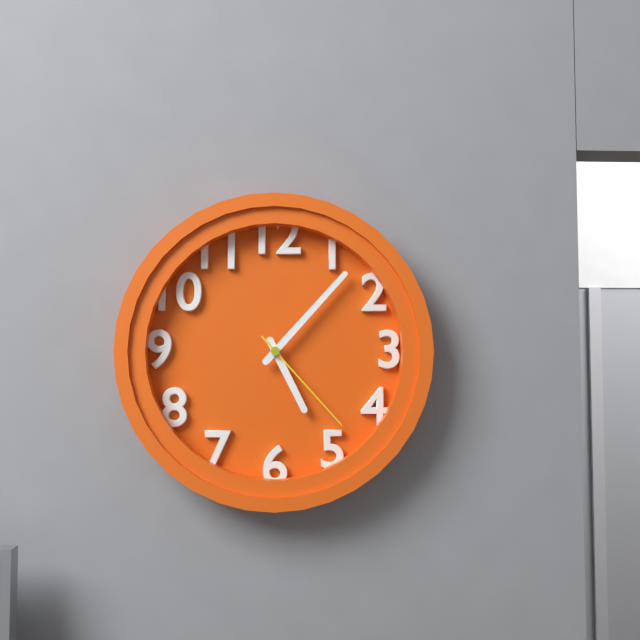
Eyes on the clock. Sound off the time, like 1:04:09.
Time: 5:07:23
